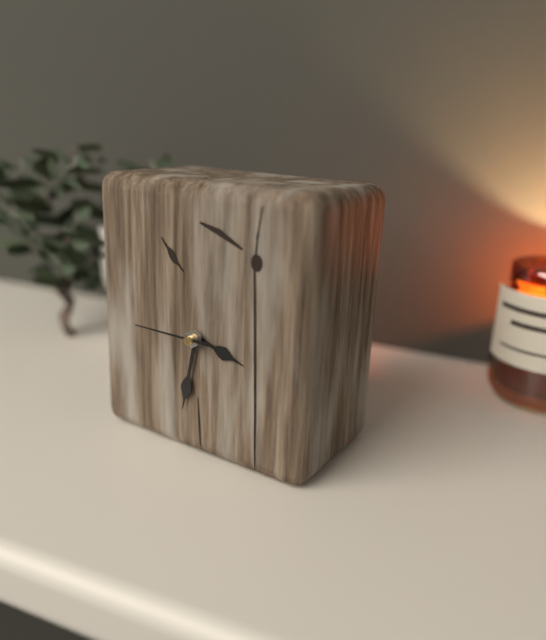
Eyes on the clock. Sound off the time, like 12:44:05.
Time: 3:32:45
